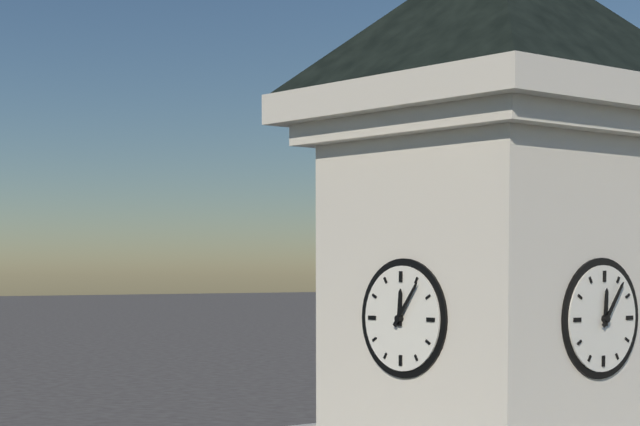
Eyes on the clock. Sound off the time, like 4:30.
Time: 12:06
